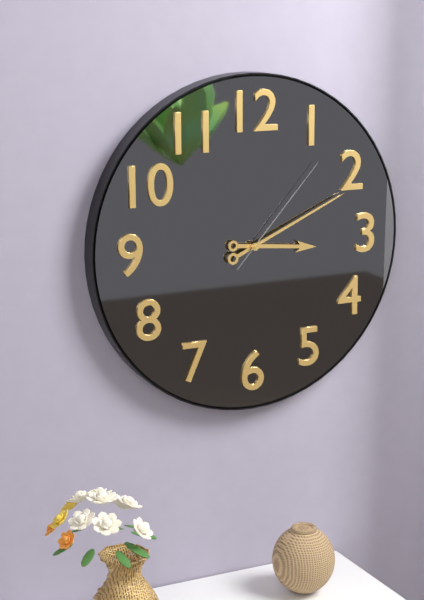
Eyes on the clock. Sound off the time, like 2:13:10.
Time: 3:11:07
